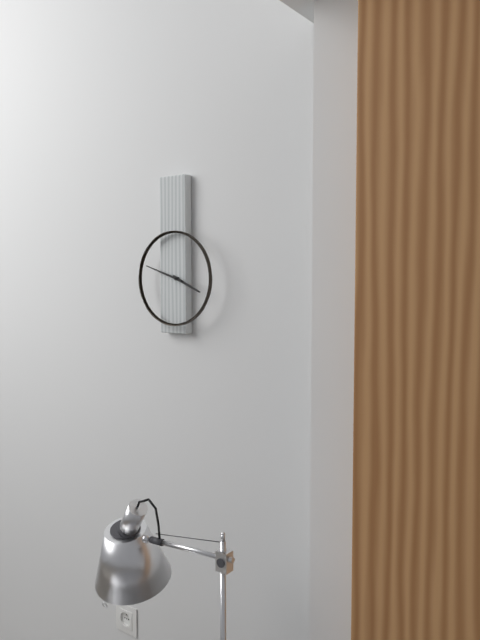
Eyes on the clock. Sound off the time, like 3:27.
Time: 3:48
